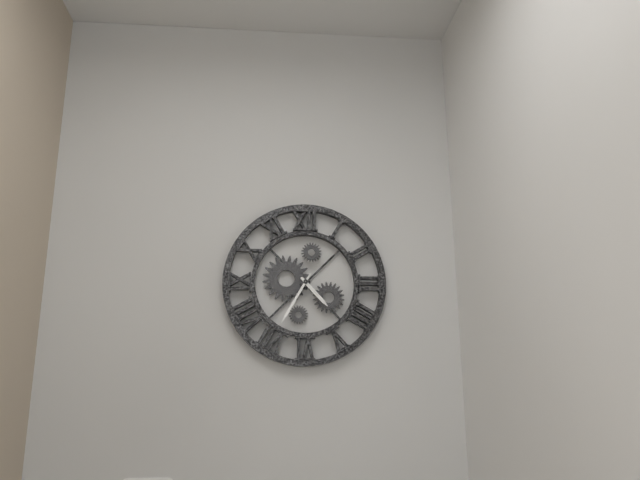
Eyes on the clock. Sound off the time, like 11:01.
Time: 4:35
